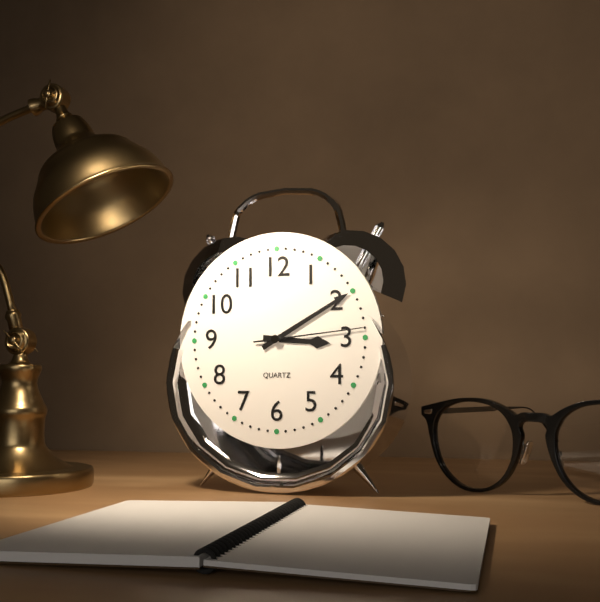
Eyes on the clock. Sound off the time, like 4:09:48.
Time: 3:10:14
